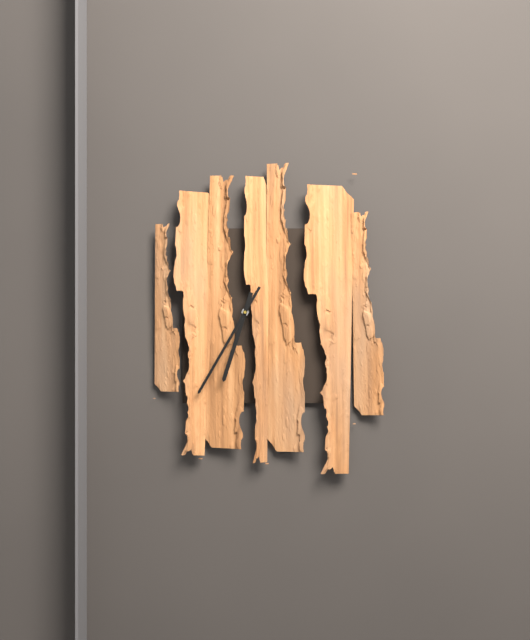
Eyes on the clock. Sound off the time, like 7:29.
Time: 6:35
